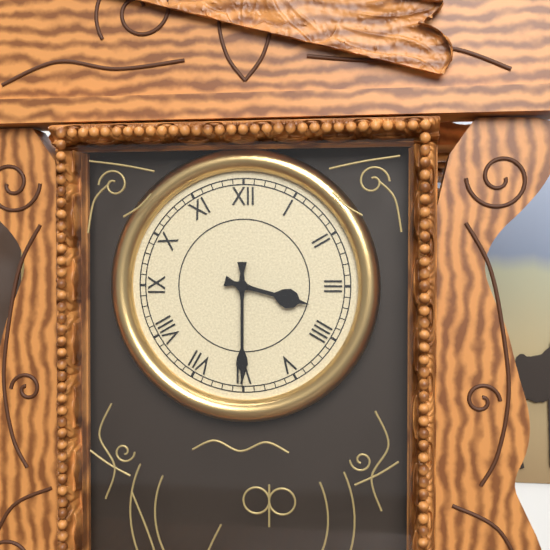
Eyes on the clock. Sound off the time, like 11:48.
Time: 3:30
